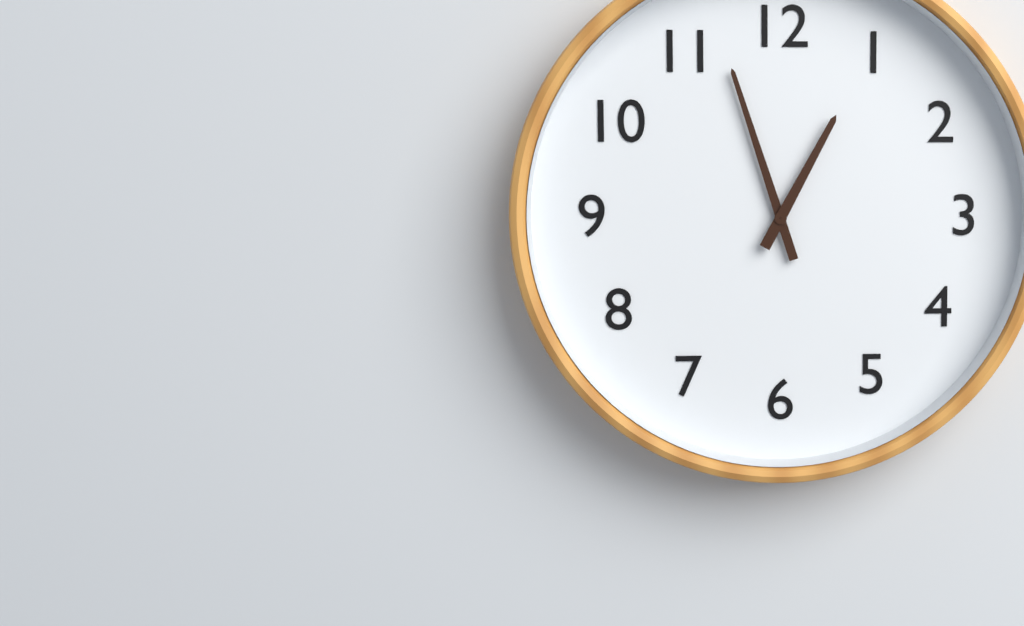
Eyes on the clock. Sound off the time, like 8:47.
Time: 12:57
